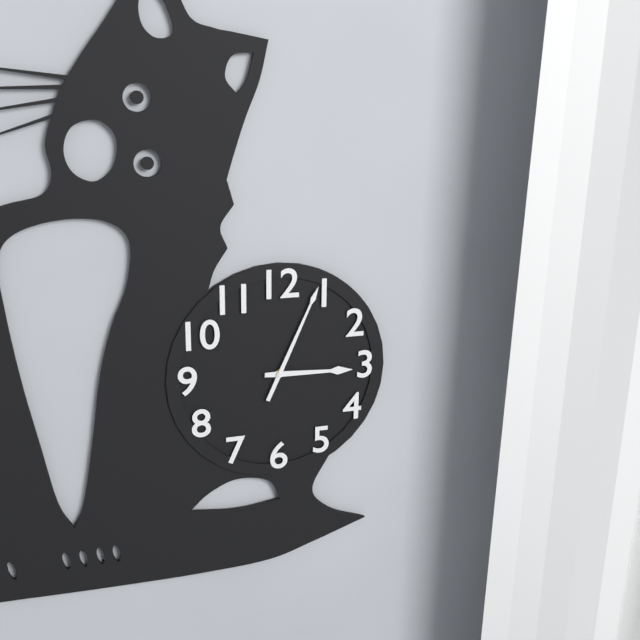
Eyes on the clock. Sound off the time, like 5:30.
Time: 3:04
